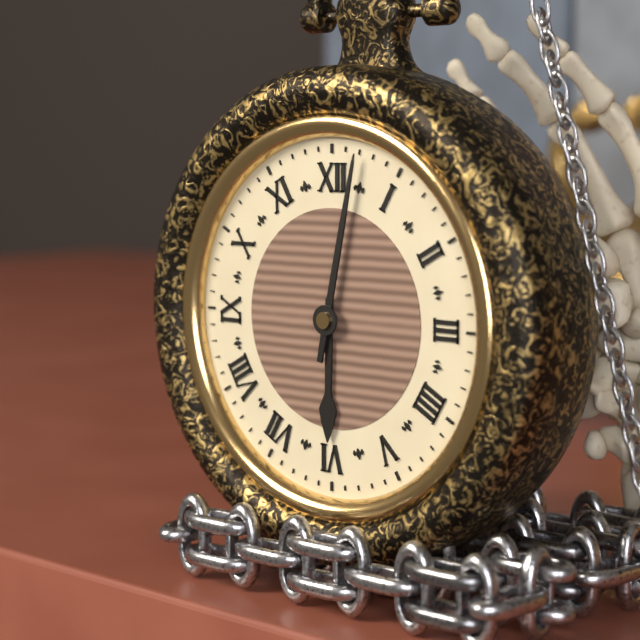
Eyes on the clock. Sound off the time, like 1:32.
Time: 6:02
